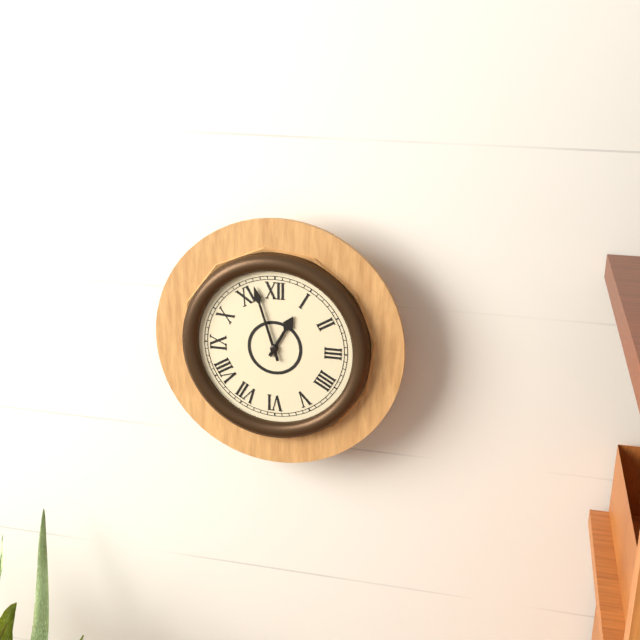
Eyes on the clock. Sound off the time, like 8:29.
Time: 12:57
